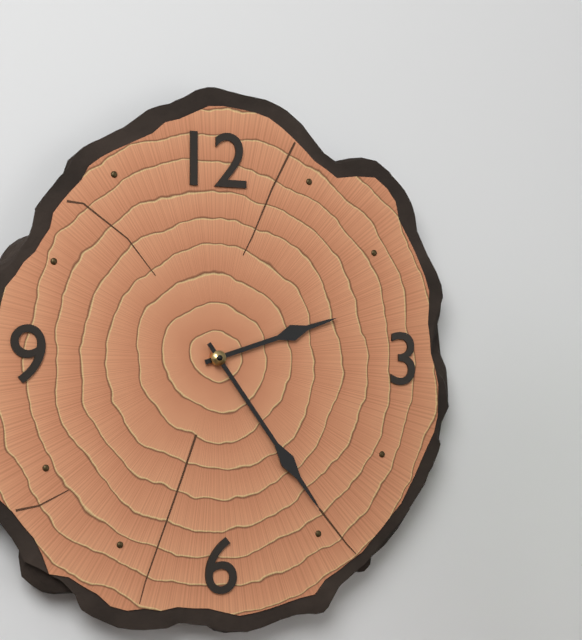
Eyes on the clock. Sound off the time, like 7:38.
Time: 2:24
